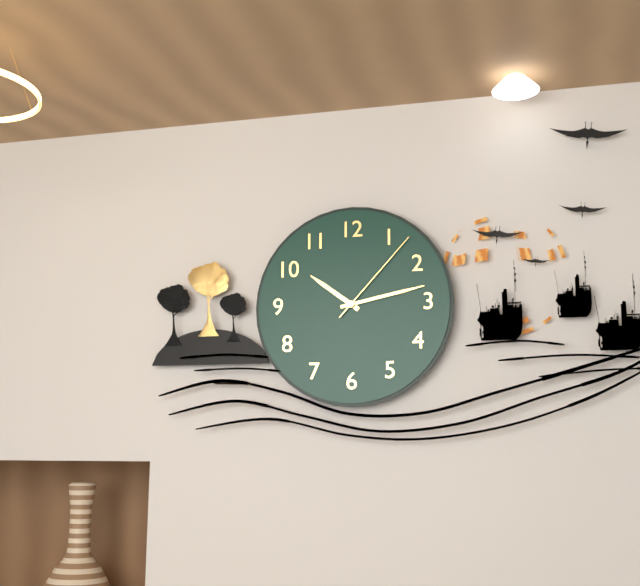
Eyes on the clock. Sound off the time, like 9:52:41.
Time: 10:13:07
